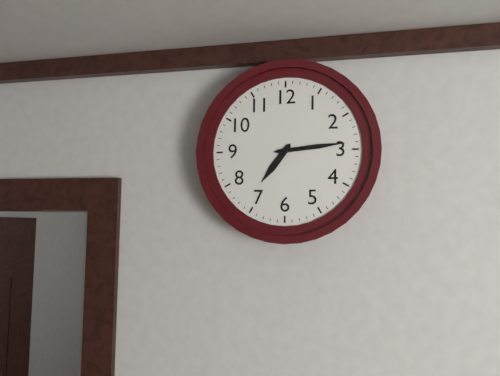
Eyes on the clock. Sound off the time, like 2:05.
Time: 7:14
